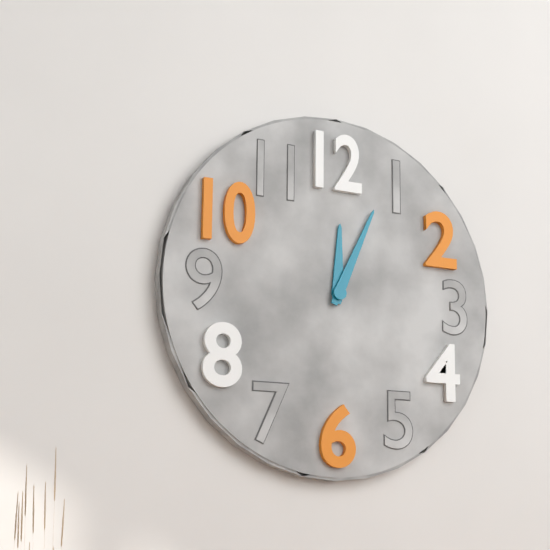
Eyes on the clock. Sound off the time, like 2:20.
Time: 12:04
